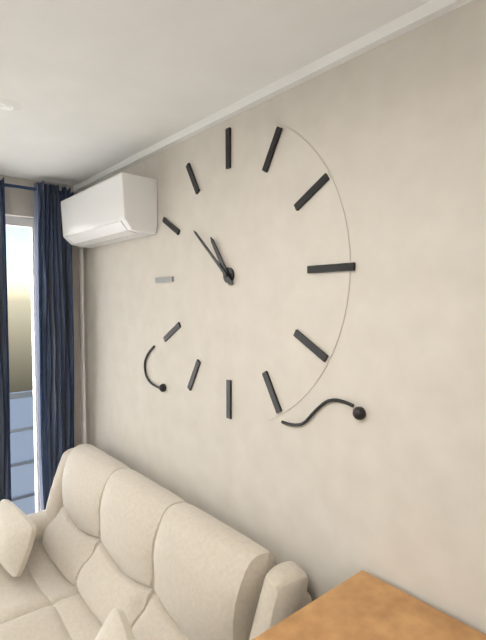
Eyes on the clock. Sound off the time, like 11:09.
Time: 10:52
